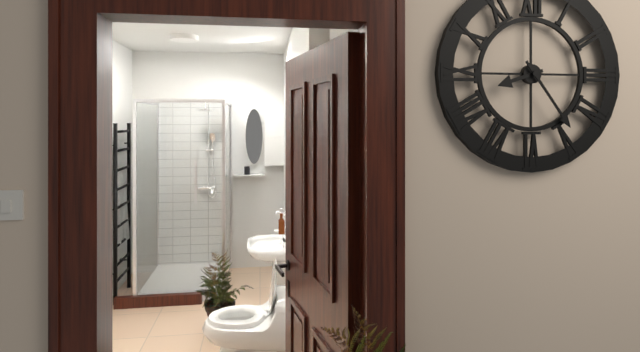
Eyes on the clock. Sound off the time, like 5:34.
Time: 8:24
